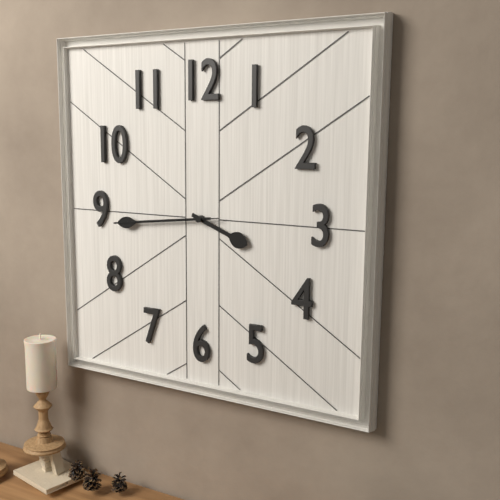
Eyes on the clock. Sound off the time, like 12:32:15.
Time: 3:44:44
